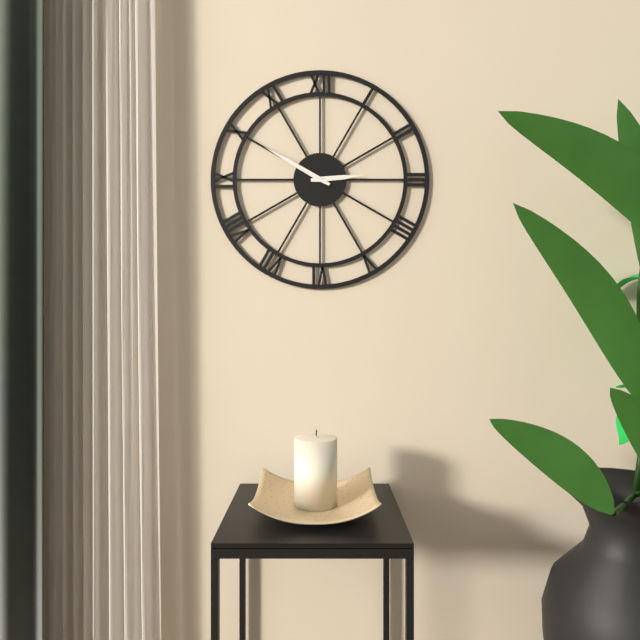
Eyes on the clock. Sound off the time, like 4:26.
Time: 2:50
